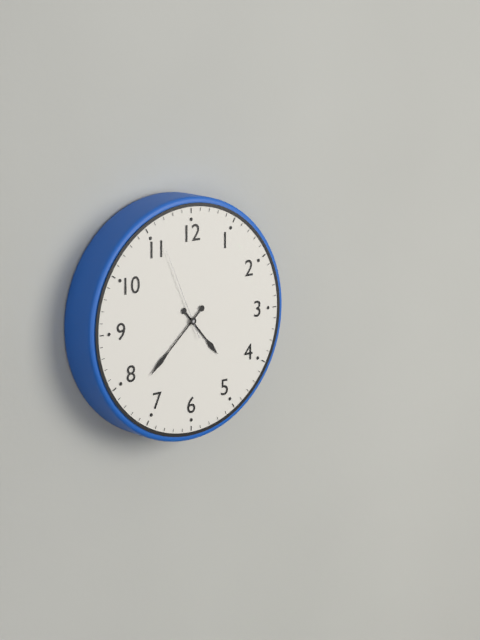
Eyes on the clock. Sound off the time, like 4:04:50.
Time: 4:38:56
